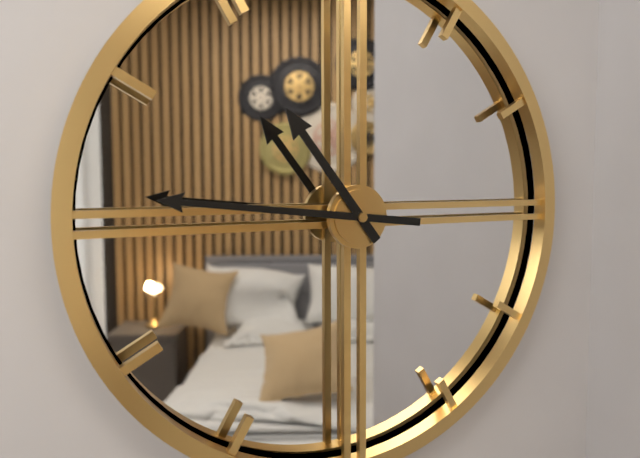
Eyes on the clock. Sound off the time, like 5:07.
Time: 10:46
